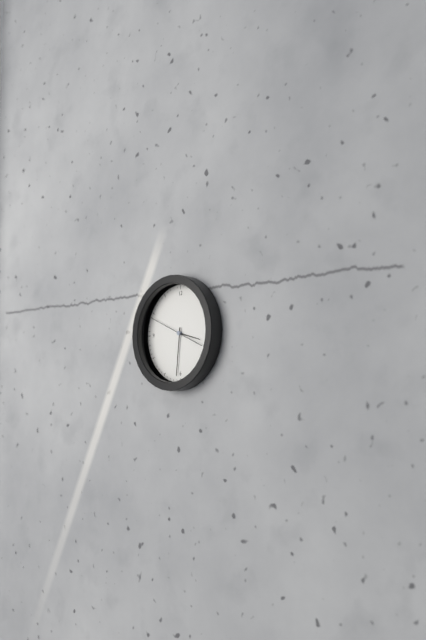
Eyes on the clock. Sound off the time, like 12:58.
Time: 3:31
